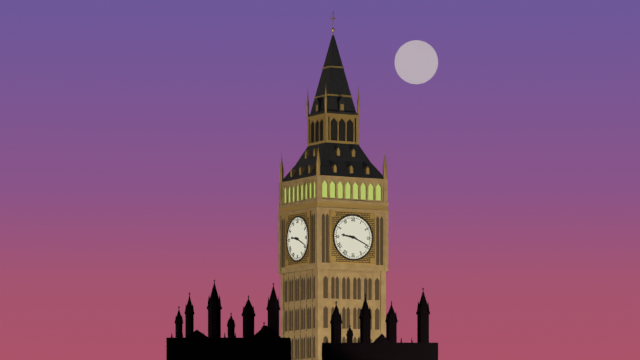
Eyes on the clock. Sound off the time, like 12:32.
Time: 9:19
